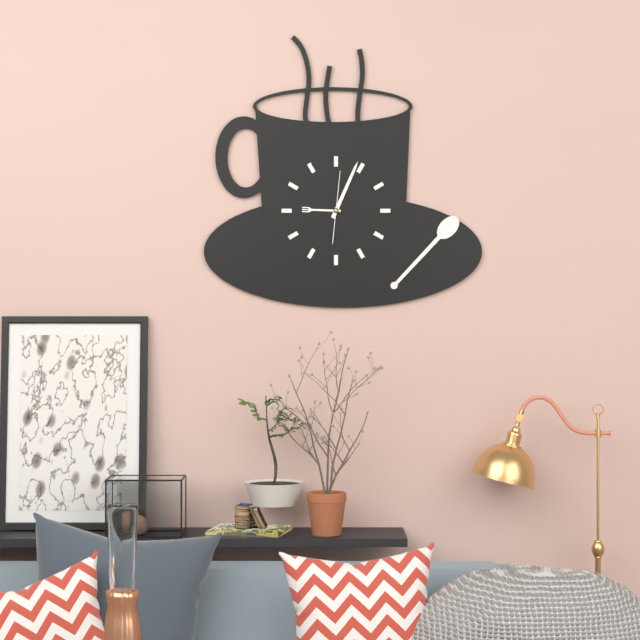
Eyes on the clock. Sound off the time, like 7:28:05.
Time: 9:04:01
